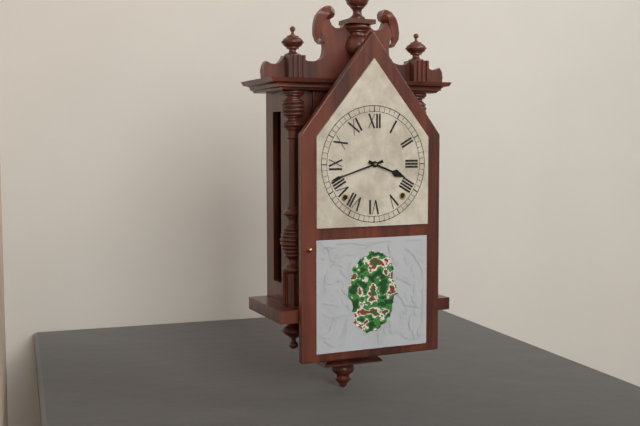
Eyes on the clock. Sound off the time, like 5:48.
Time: 3:42
